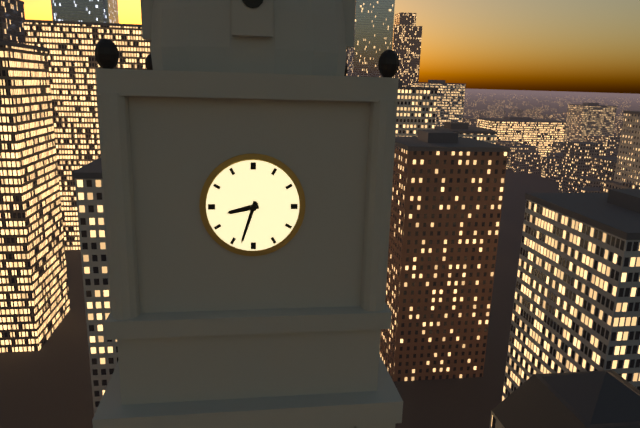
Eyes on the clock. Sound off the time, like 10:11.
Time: 8:33
